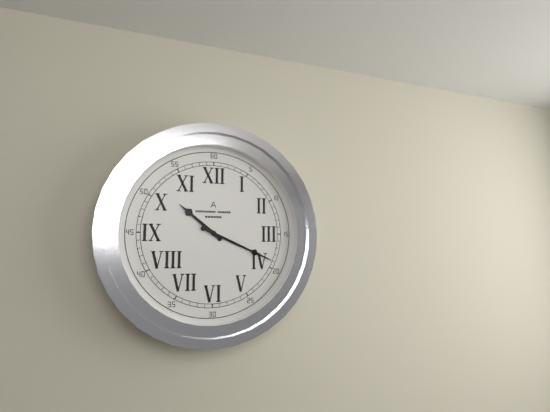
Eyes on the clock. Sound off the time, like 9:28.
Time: 10:19
